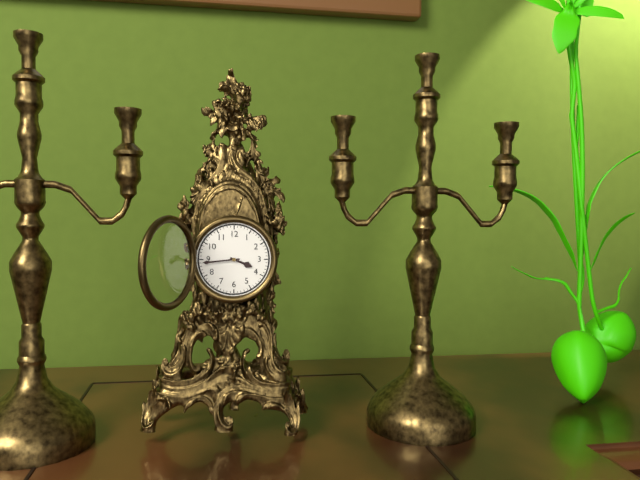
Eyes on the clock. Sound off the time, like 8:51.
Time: 3:44
